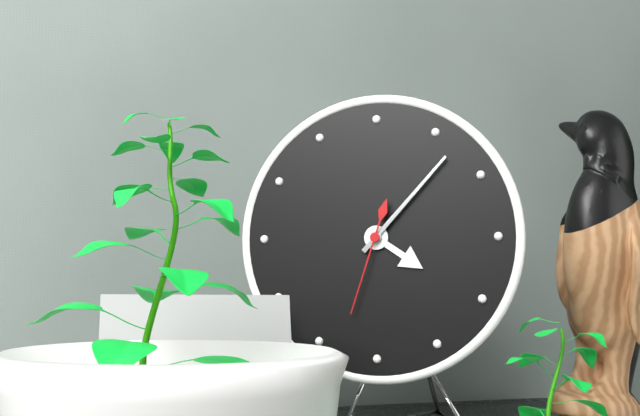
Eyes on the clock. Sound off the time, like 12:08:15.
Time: 4:07:33
